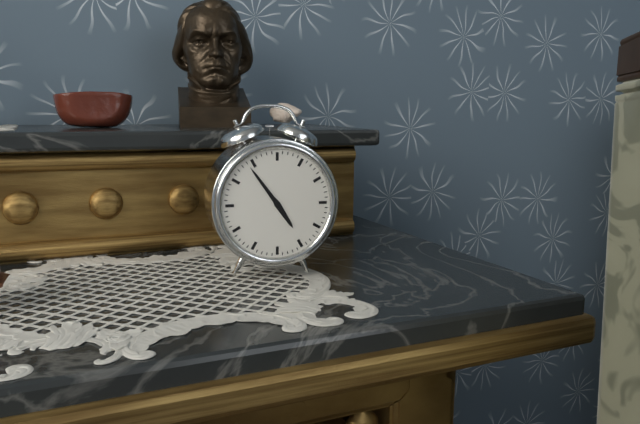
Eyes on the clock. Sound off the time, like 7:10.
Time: 4:54
